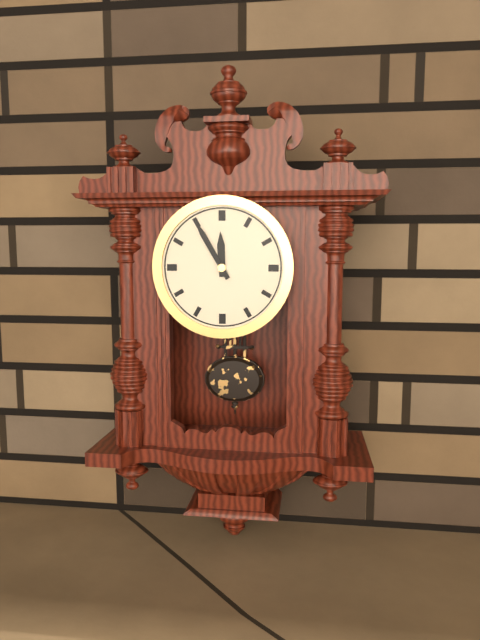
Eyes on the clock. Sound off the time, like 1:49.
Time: 11:55
